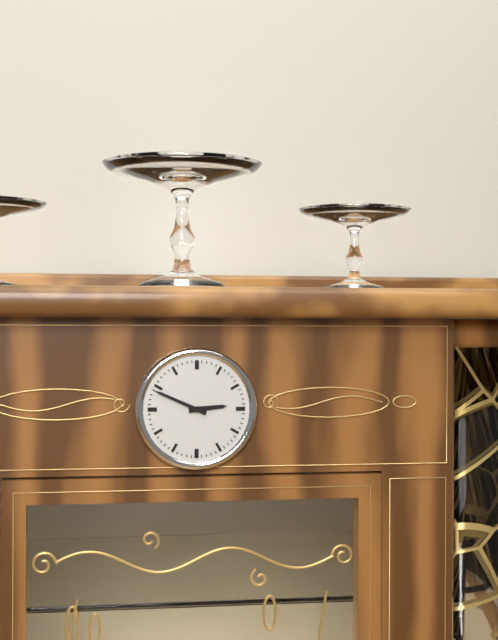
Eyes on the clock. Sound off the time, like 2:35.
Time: 2:49
